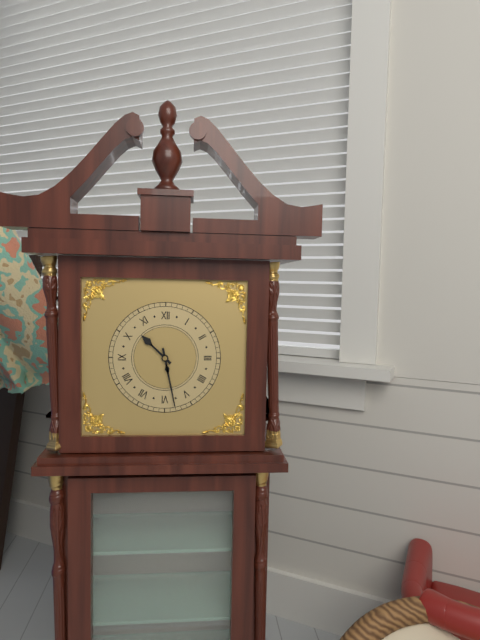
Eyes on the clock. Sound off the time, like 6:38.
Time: 10:28
